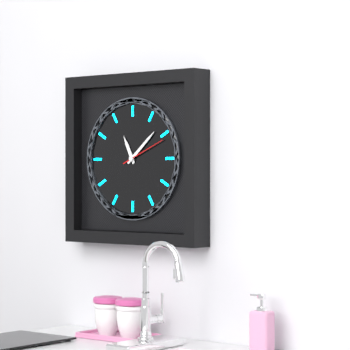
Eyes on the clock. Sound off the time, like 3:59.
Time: 11:08
